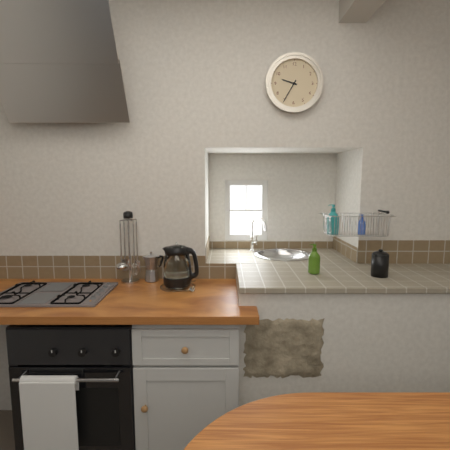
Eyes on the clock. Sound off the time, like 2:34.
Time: 9:35
